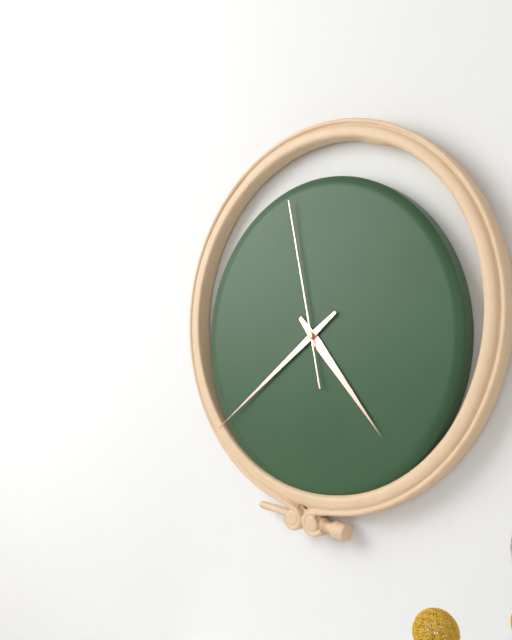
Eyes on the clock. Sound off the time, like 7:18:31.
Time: 4:39:58
